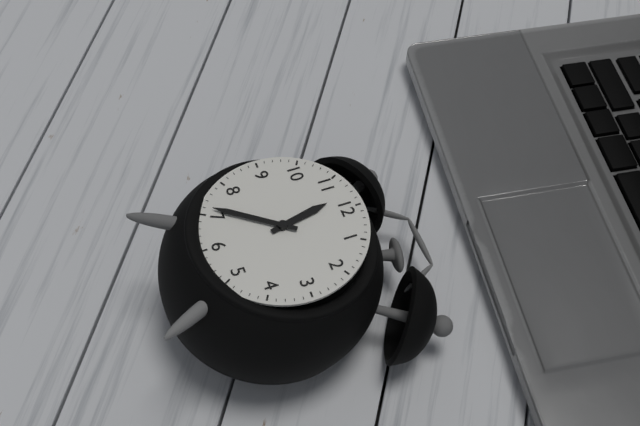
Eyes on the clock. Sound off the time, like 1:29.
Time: 11:36
